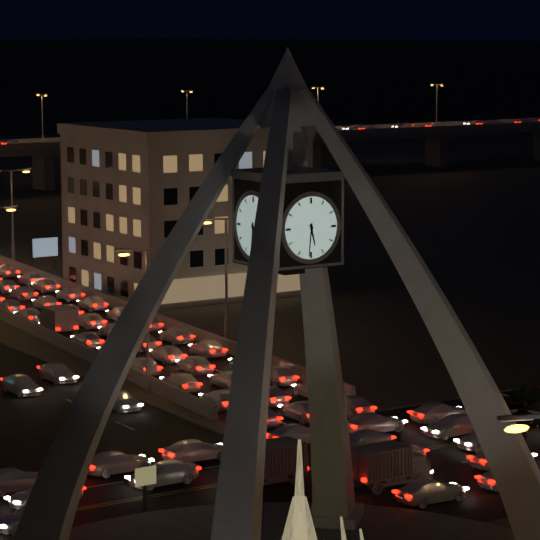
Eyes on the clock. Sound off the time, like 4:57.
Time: 5:31
